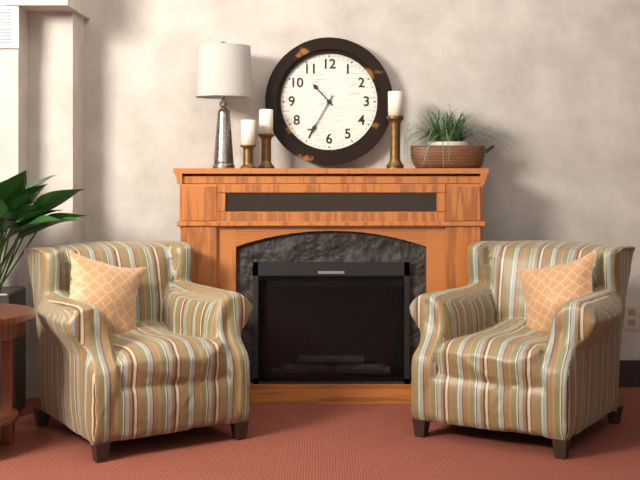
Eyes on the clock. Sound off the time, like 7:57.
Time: 10:35
